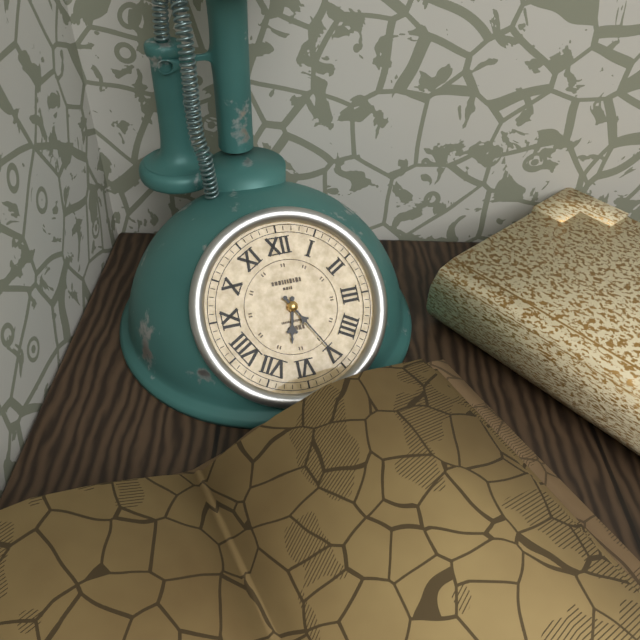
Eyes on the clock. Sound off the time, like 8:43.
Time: 6:25
